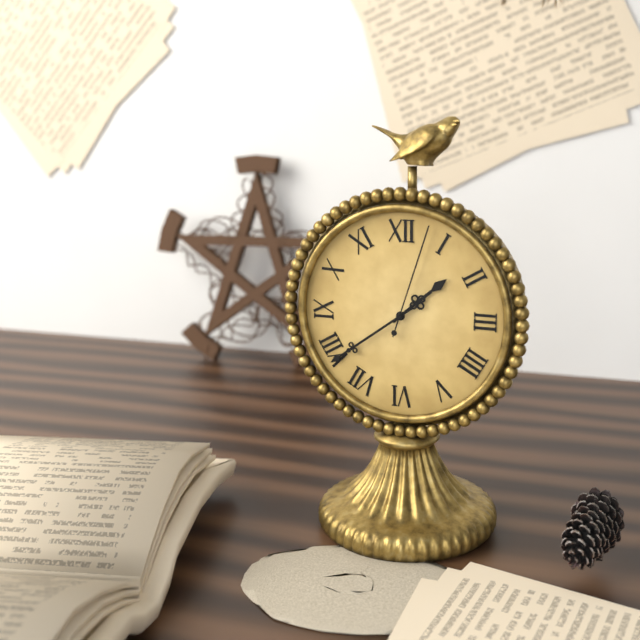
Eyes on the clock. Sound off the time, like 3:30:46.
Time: 1:39:03
